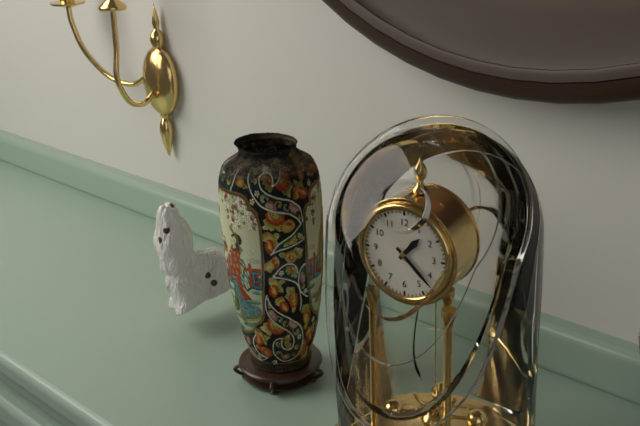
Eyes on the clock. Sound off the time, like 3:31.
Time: 1:22
